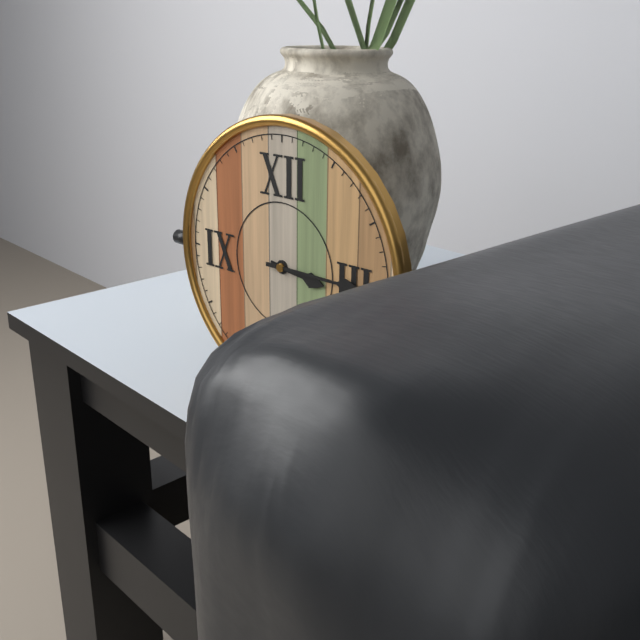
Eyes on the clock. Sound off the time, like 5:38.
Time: 3:15
